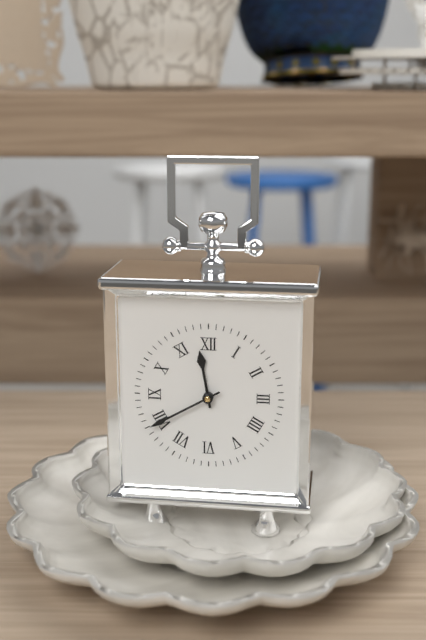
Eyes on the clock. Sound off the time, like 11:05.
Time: 11:40
